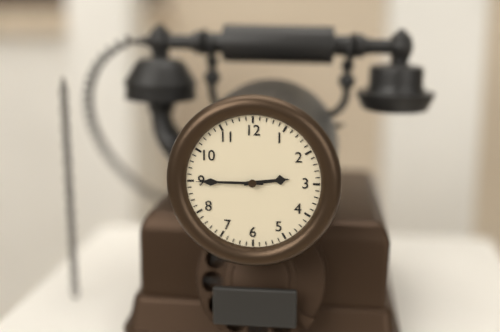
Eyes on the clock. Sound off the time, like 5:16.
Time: 2:45
